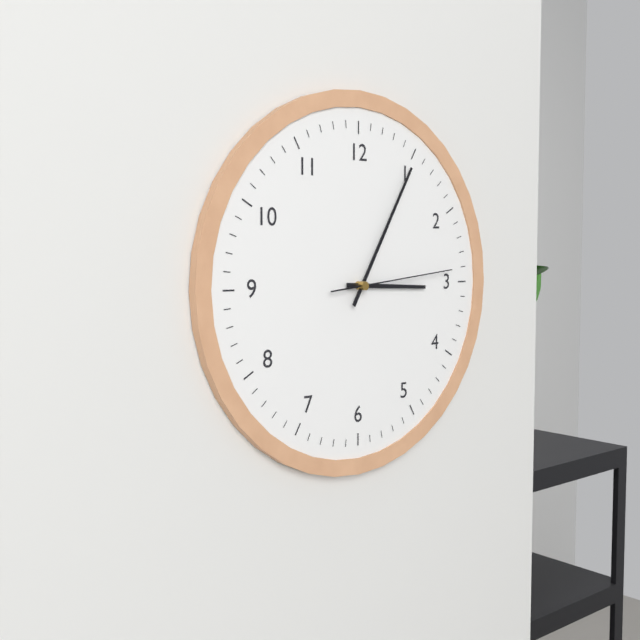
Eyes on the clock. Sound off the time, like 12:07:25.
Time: 3:05:14
